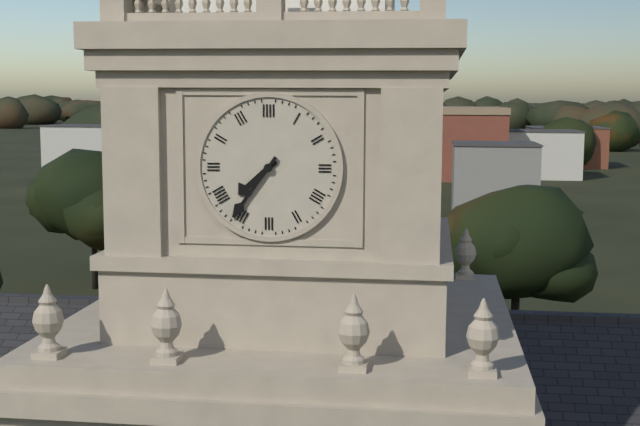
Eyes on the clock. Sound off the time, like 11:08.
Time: 7:36
